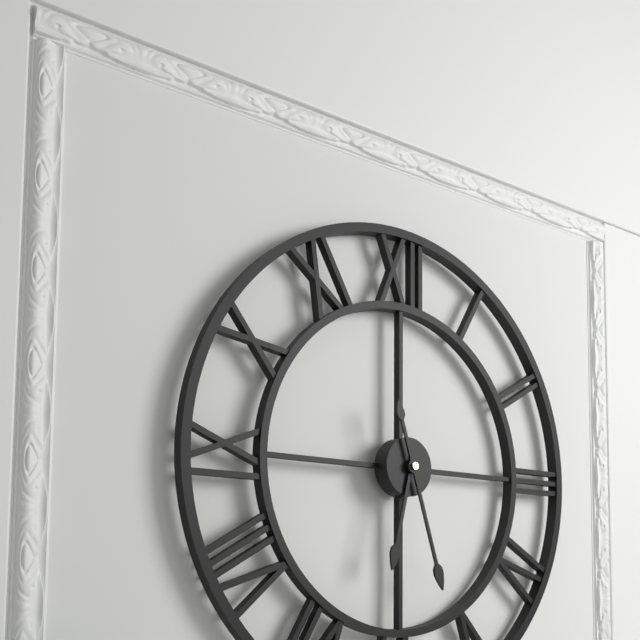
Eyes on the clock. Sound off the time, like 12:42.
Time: 6:27
